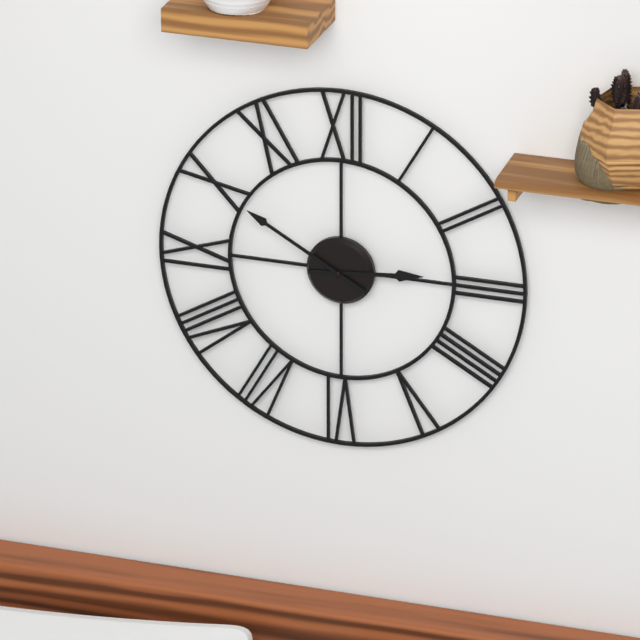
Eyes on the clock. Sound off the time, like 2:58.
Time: 2:50
